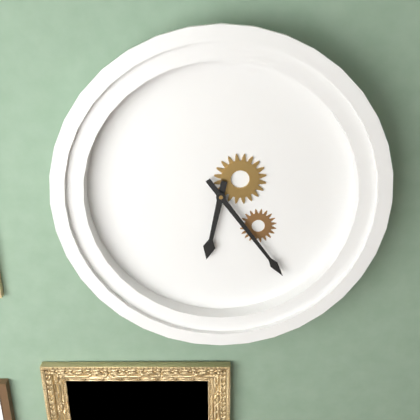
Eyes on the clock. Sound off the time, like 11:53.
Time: 6:24
